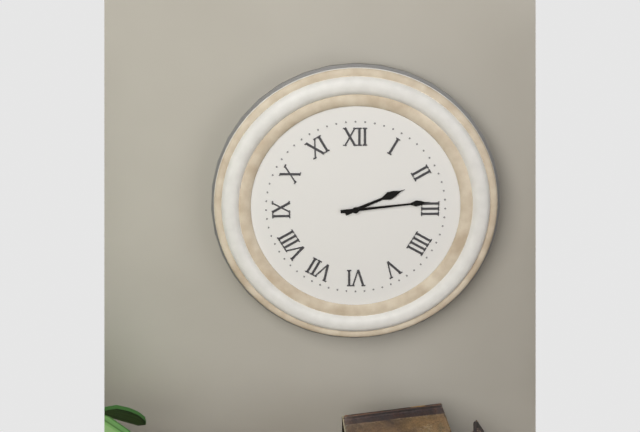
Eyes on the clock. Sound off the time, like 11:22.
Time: 2:14
